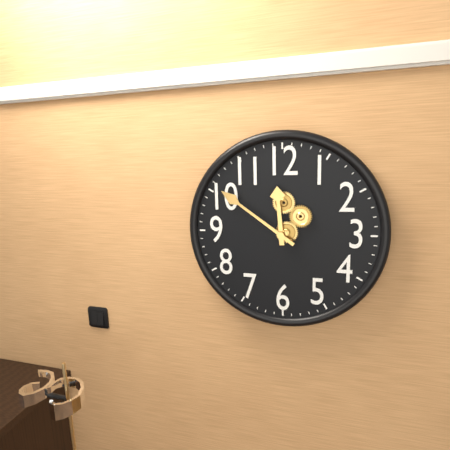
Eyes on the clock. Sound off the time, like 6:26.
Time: 11:51
